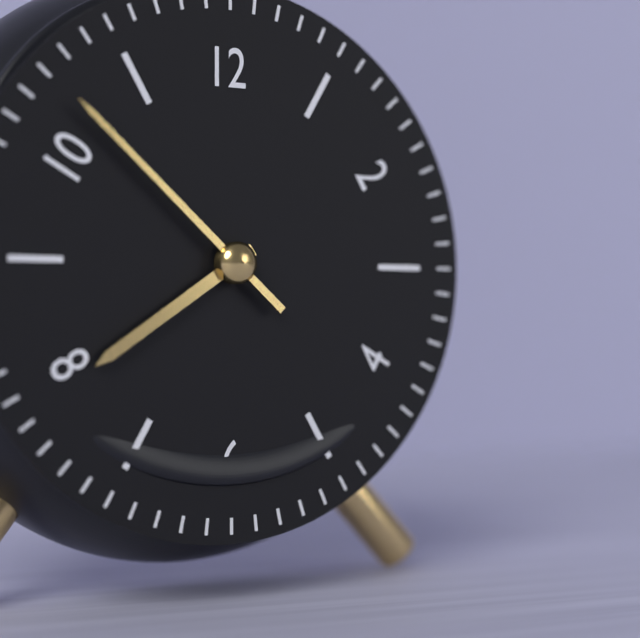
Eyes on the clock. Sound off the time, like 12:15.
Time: 7:52
